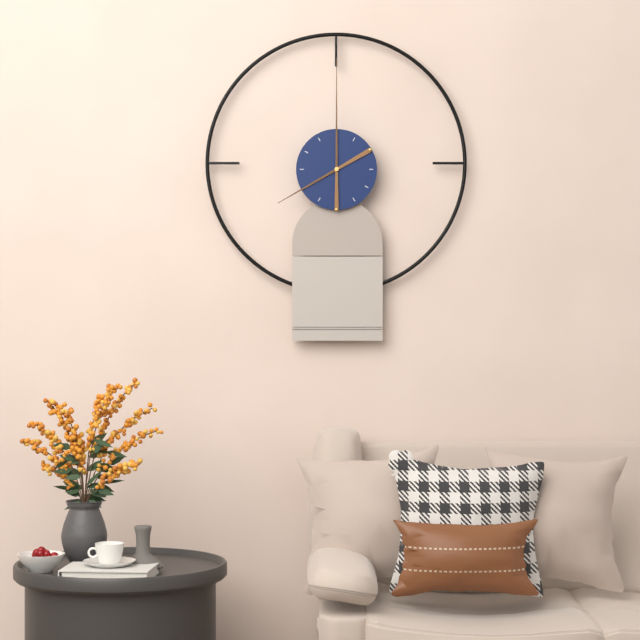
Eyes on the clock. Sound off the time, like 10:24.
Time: 8:00
